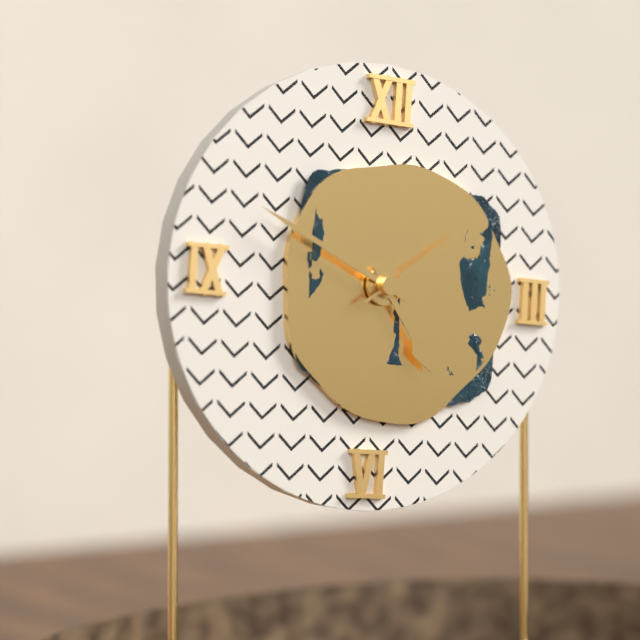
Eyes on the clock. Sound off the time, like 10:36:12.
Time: 4:49:09
